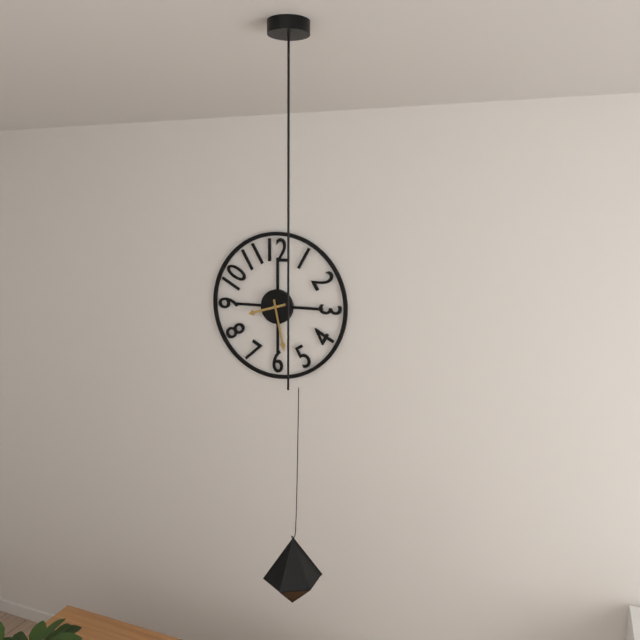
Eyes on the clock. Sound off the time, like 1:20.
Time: 8:28
